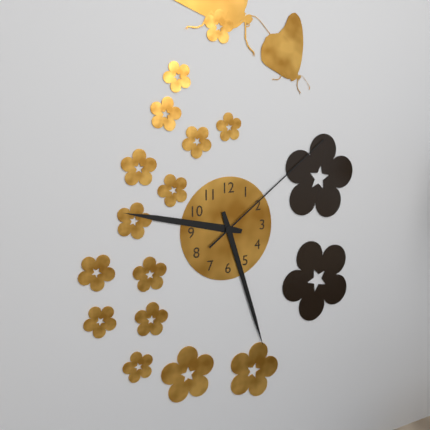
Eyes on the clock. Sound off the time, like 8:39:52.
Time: 9:27:09
